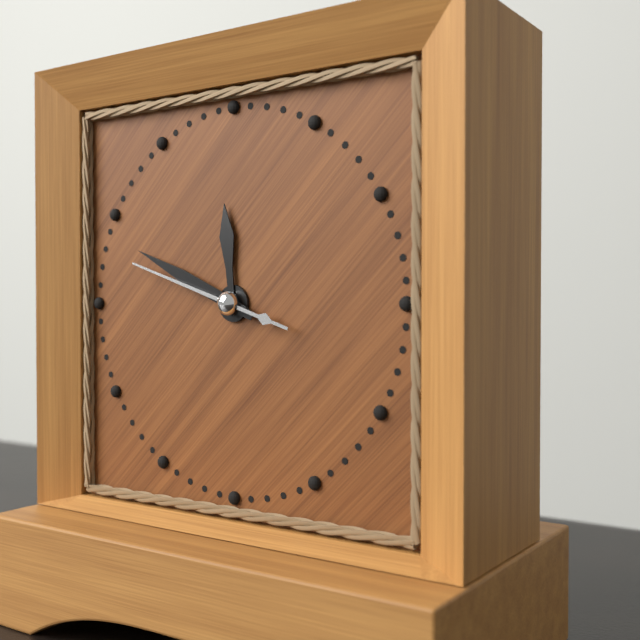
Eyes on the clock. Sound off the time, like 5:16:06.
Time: 11:49:48
